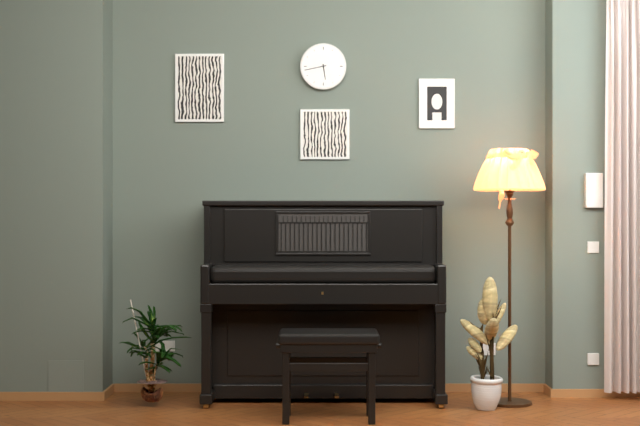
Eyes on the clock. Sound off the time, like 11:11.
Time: 5:43
